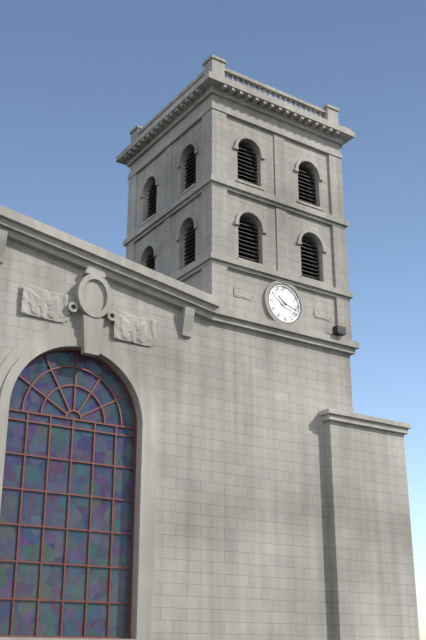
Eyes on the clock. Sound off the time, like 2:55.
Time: 10:18
